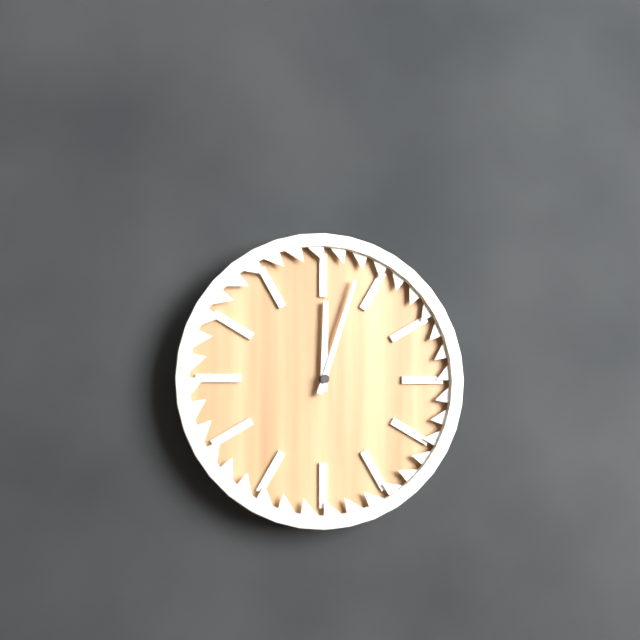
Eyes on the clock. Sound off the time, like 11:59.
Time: 12:03
